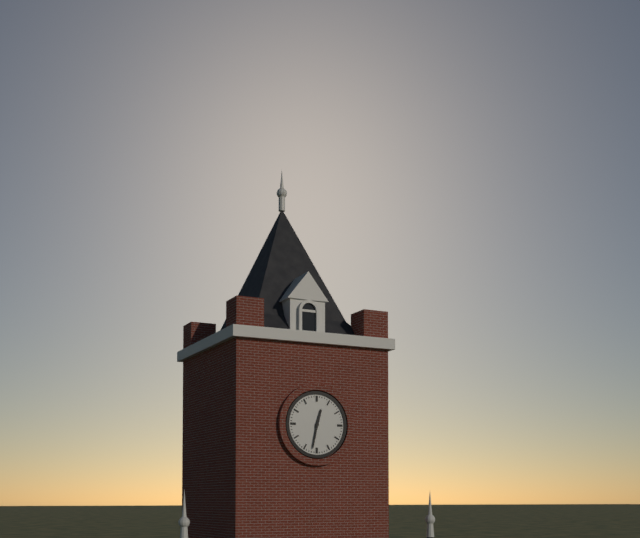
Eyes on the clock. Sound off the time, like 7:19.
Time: 12:32
